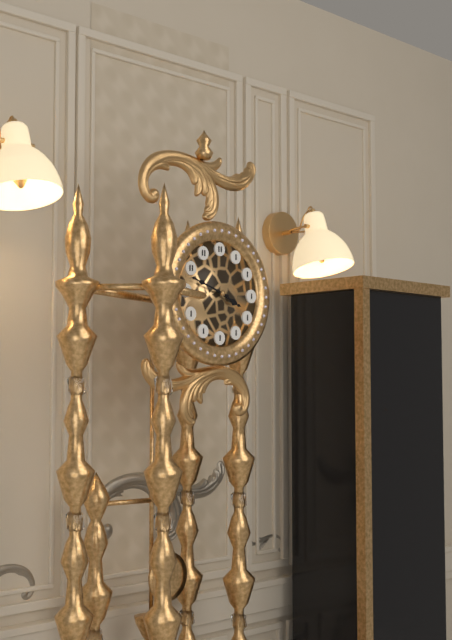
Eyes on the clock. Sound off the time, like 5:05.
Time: 3:48
